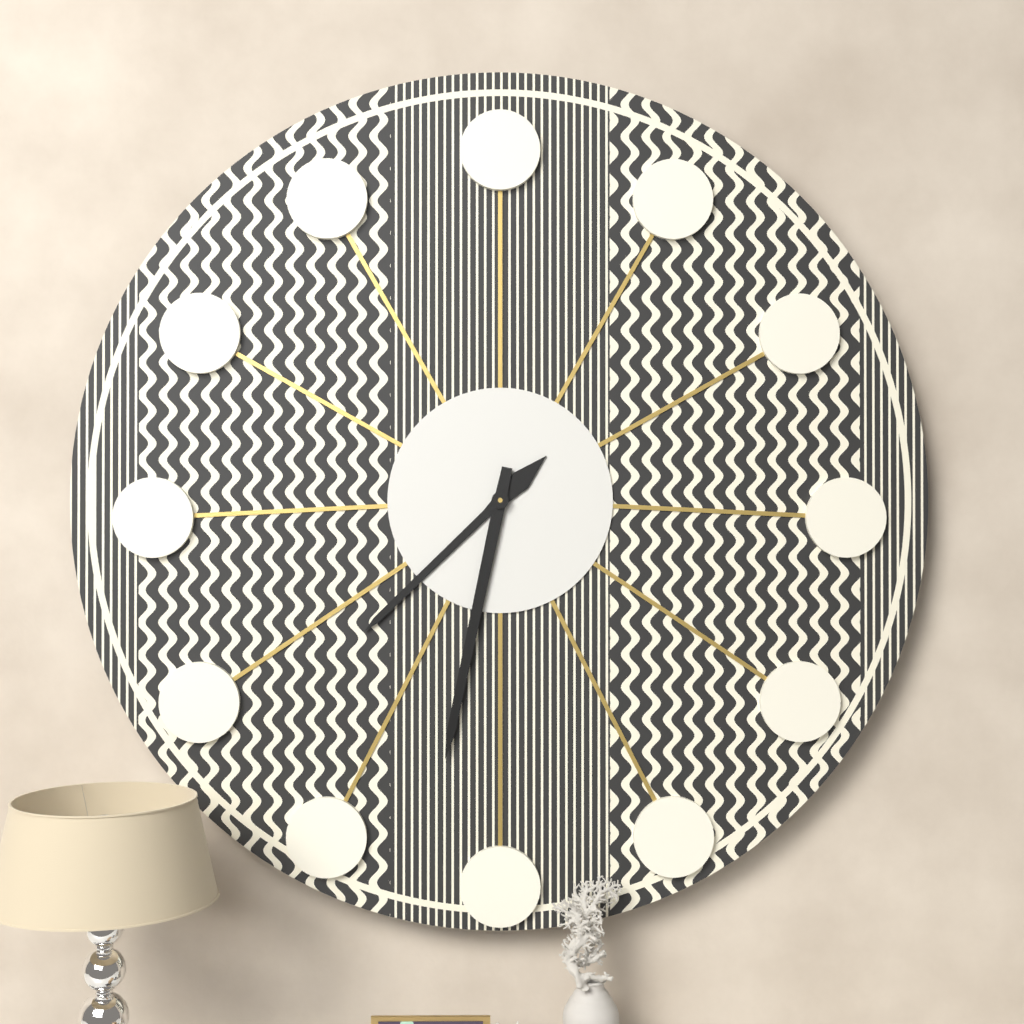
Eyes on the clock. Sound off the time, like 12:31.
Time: 7:32
